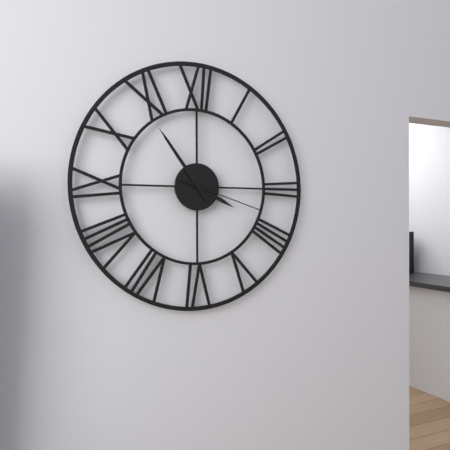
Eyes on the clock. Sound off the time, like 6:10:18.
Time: 3:54:18
